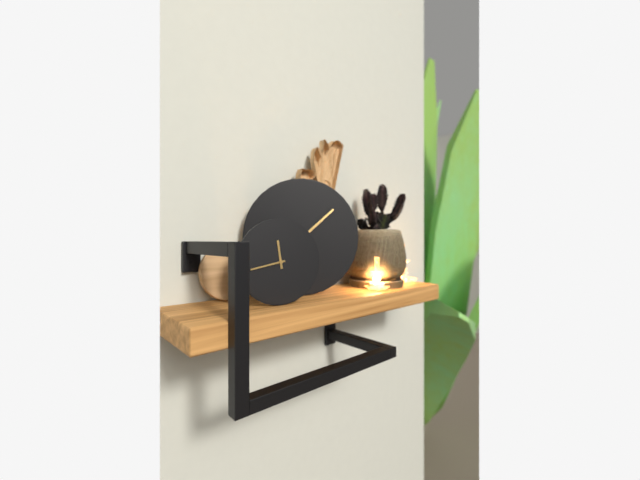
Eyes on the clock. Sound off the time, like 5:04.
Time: 11:43
